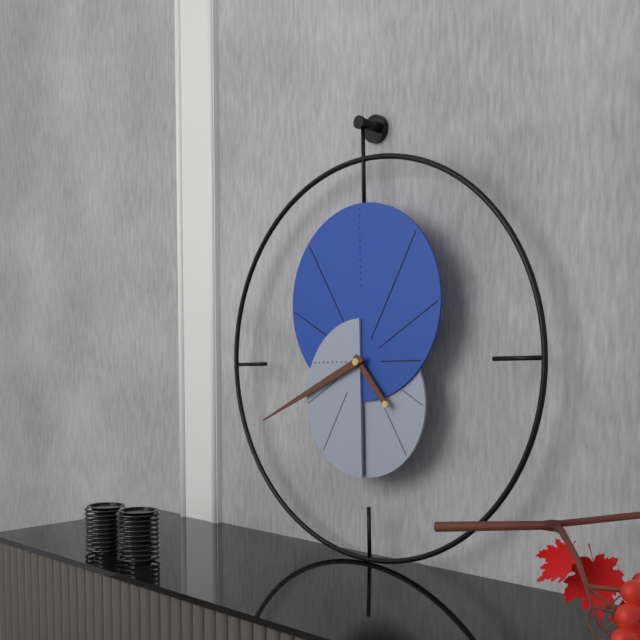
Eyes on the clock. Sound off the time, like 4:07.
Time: 4:41
